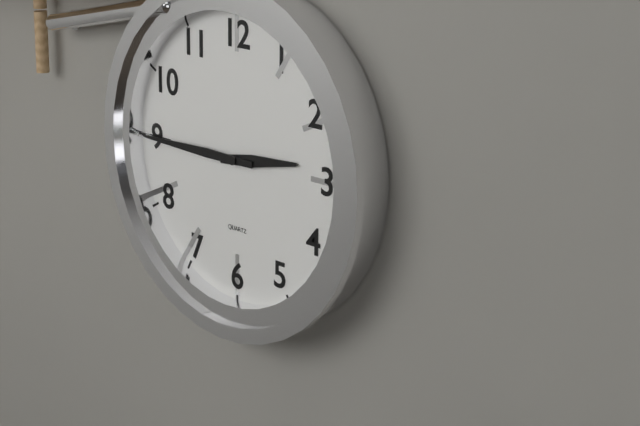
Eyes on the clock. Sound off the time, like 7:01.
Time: 2:45
